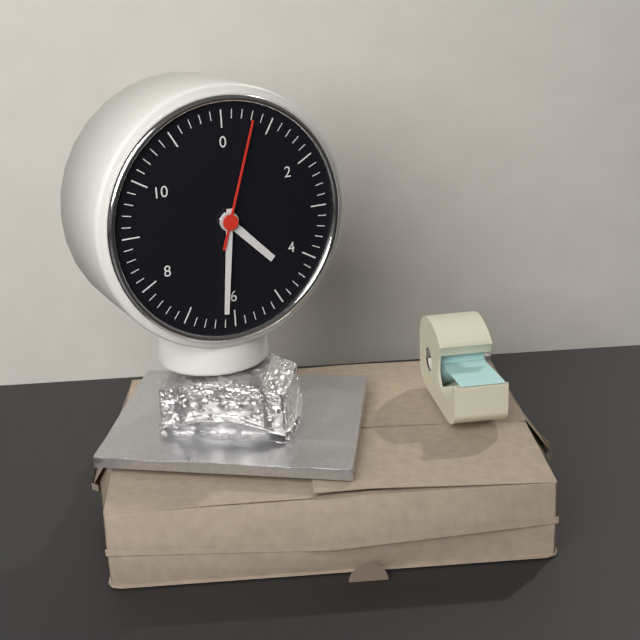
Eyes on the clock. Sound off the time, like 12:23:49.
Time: 4:31:03
